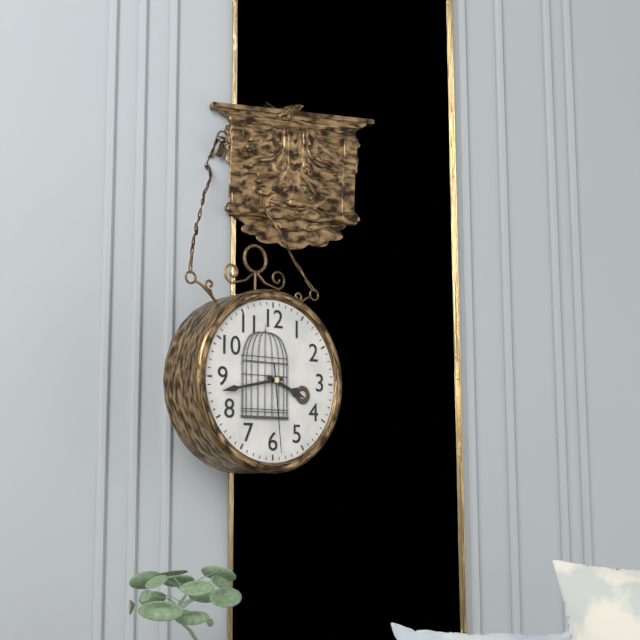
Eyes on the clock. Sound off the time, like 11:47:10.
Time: 3:43:29
